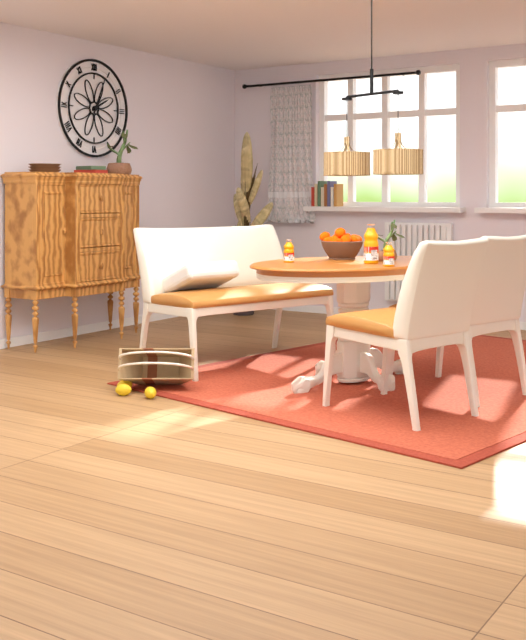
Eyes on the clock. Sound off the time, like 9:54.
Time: 2:04
